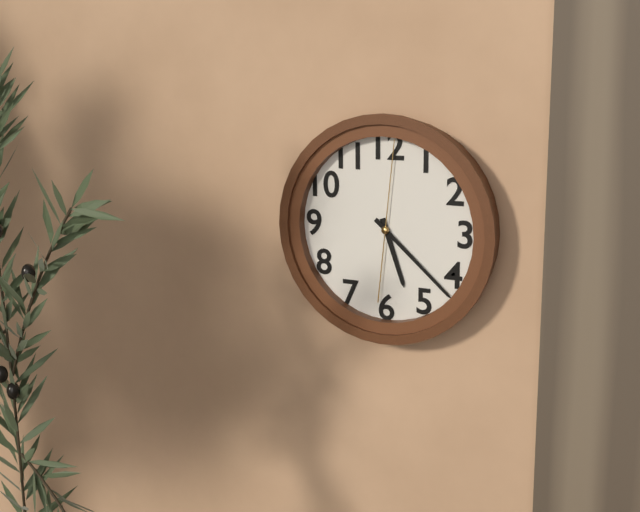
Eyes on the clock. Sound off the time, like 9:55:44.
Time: 5:22:01
